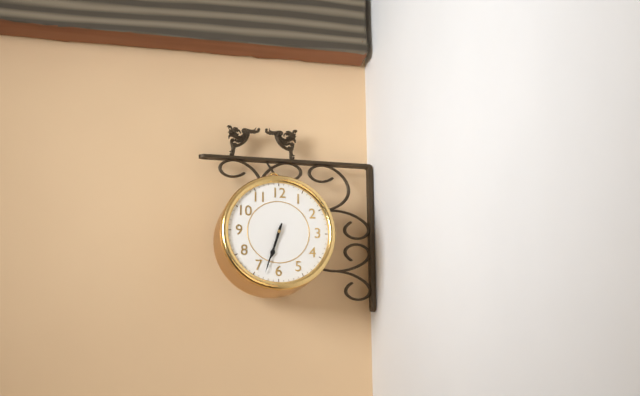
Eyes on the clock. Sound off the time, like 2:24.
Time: 6:33
